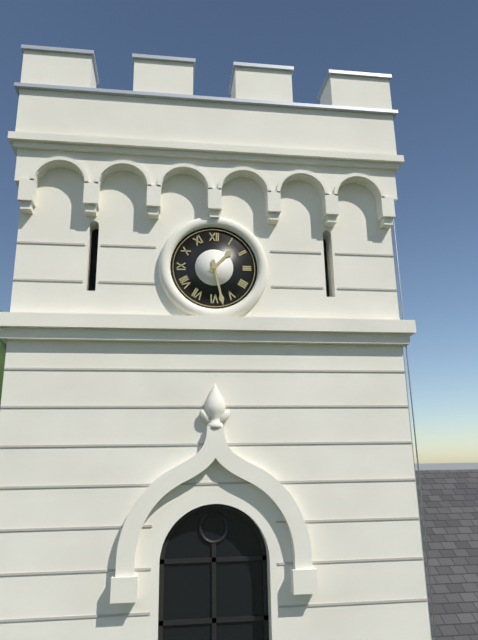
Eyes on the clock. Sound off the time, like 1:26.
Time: 1:28
